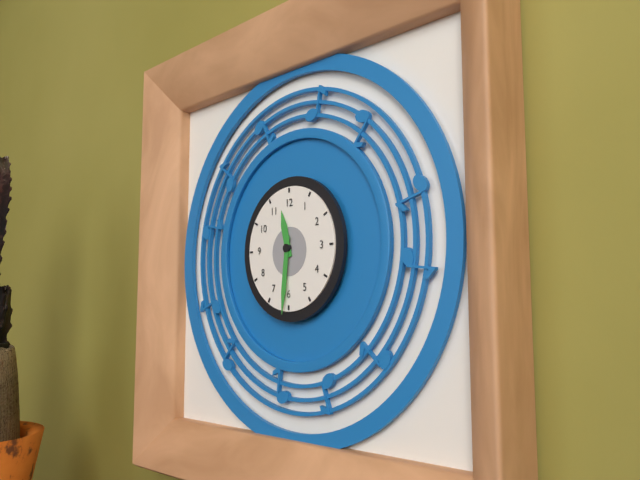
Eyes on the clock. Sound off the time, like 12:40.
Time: 11:31
